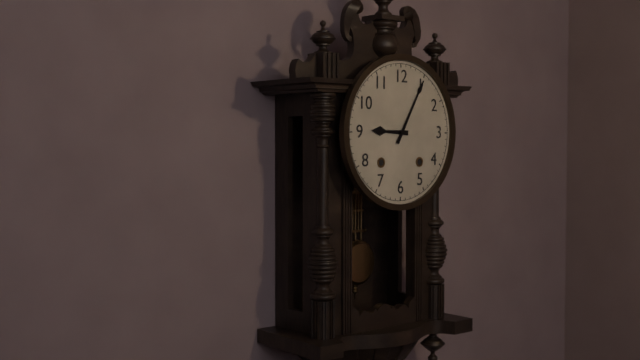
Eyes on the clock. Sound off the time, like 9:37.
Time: 9:05
